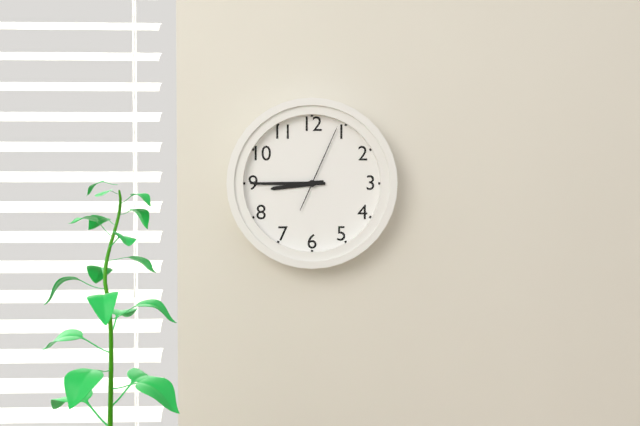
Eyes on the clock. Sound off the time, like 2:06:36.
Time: 8:45:04
